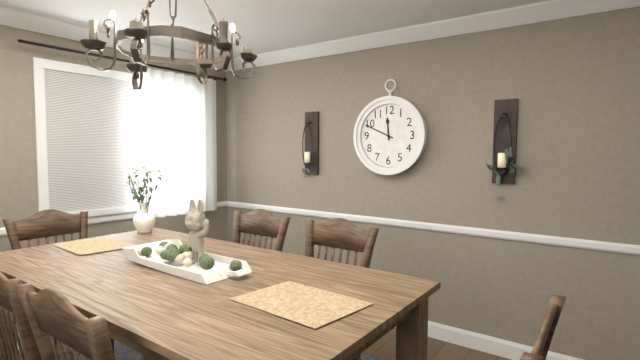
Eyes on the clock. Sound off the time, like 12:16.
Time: 11:49
